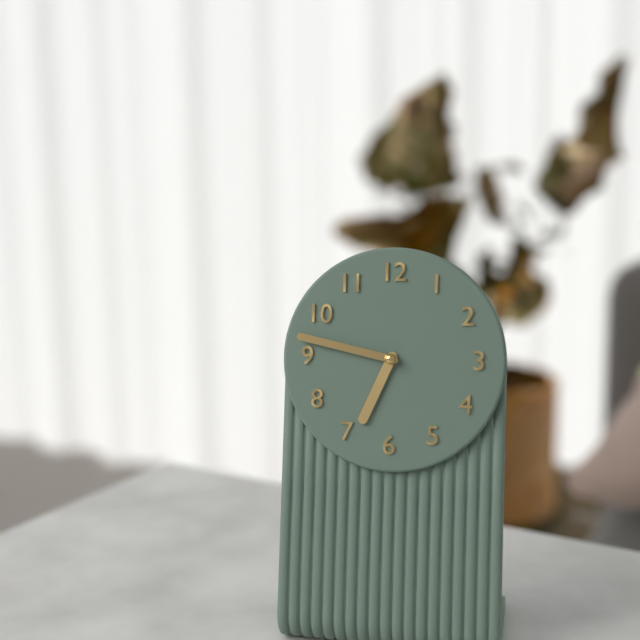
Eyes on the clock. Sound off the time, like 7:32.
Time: 6:47
